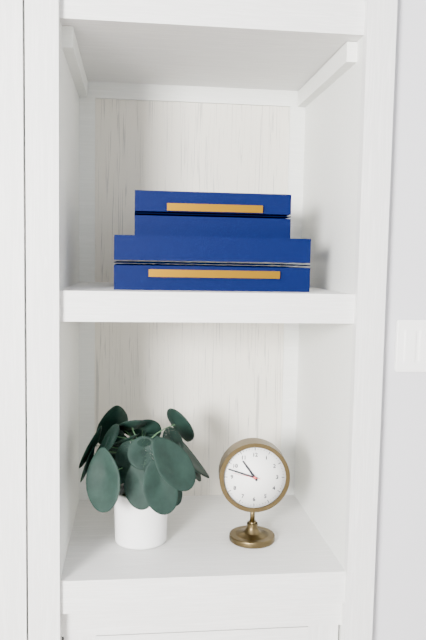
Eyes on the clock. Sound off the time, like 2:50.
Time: 10:48
